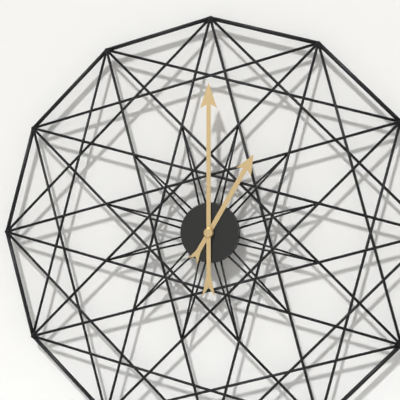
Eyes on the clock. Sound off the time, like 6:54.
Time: 1:00
